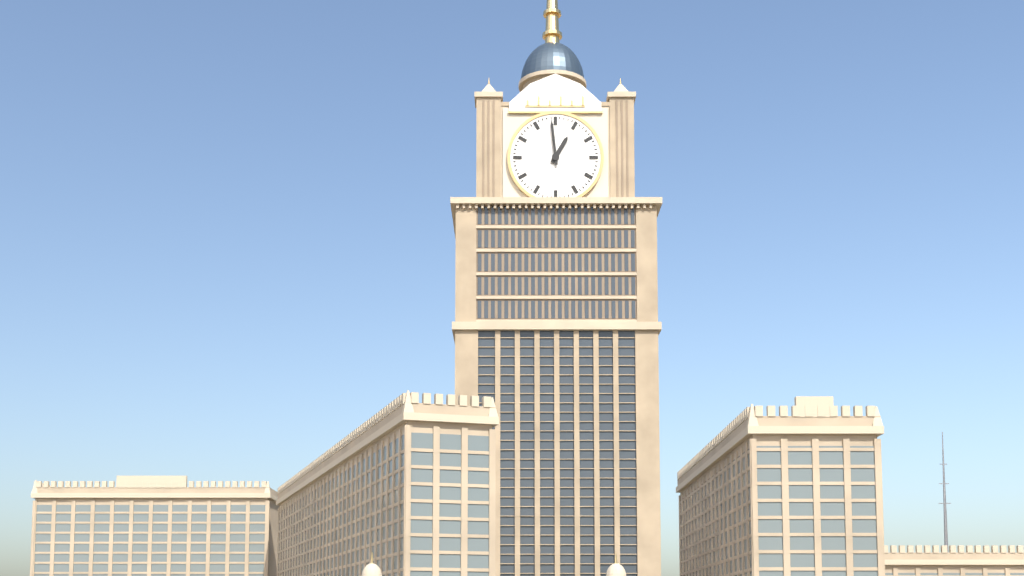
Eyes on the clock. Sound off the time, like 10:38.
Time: 12:59
